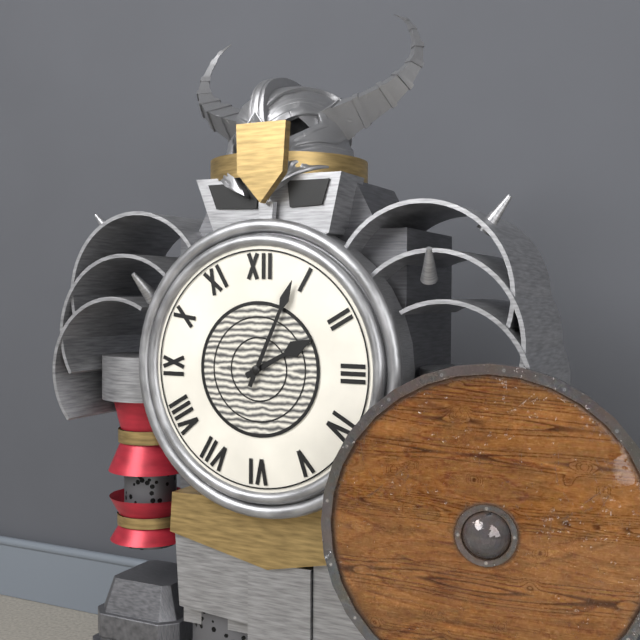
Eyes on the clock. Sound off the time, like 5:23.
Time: 2:04
